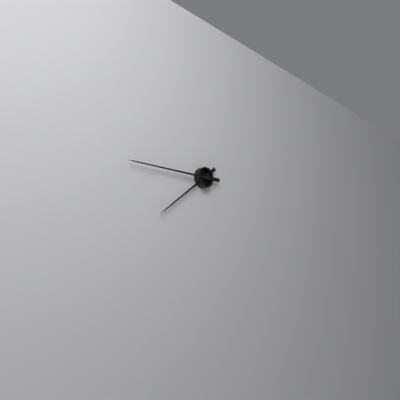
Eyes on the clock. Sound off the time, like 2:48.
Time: 7:45
